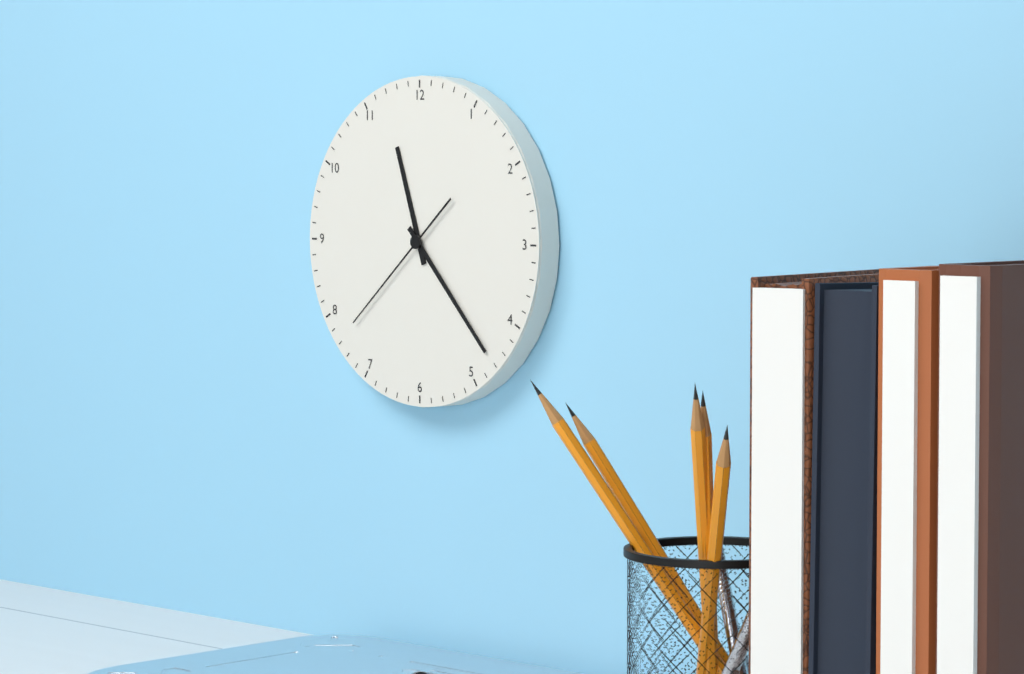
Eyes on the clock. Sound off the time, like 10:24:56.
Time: 11:23:38
